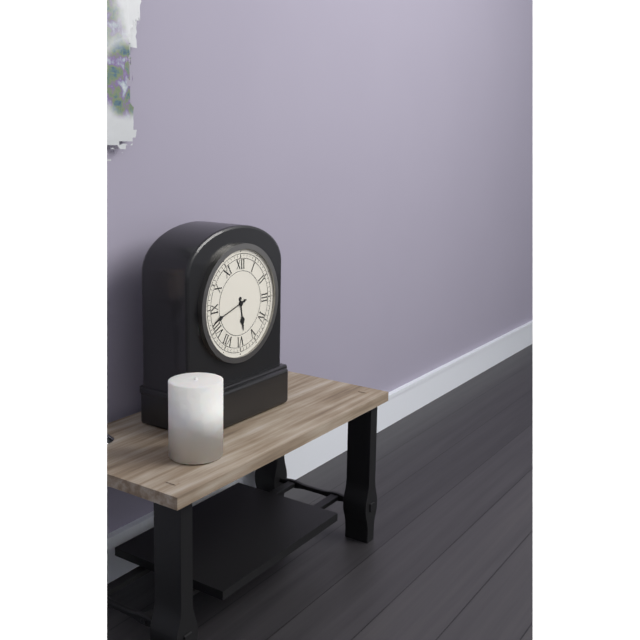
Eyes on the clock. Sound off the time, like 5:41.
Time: 5:42
